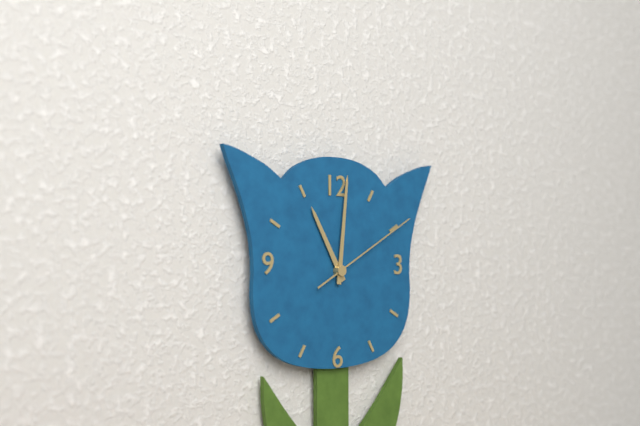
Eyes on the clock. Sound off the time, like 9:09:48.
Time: 11:01:10
